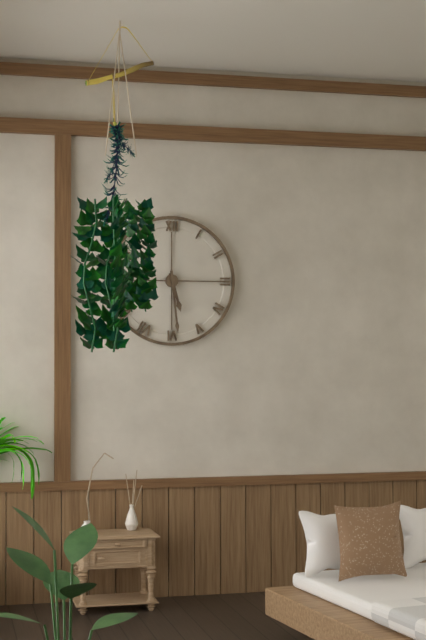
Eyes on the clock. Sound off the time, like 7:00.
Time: 5:29
